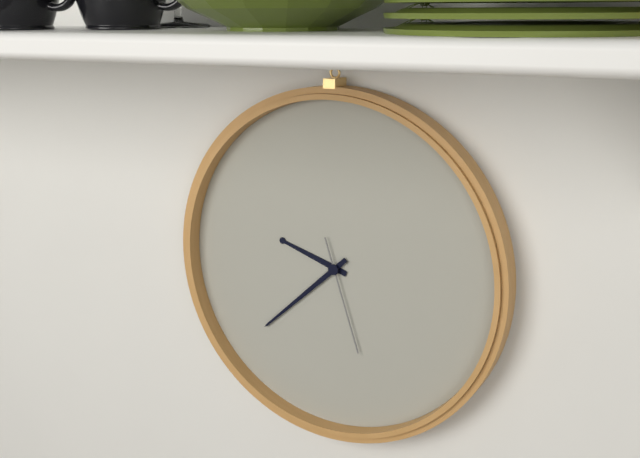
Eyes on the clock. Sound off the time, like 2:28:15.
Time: 9:38:27
